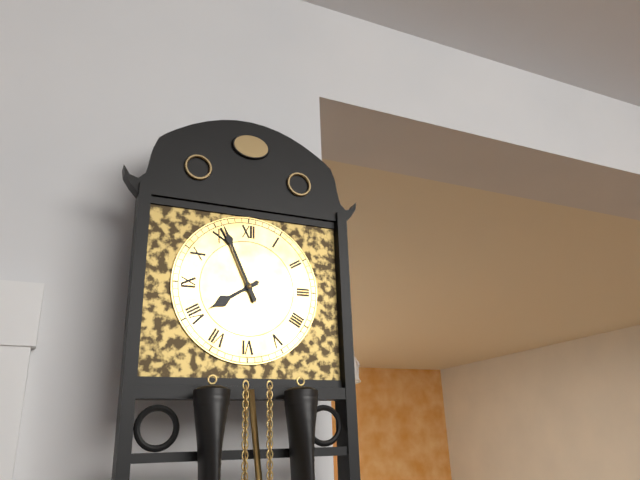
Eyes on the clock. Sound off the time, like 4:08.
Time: 7:56
